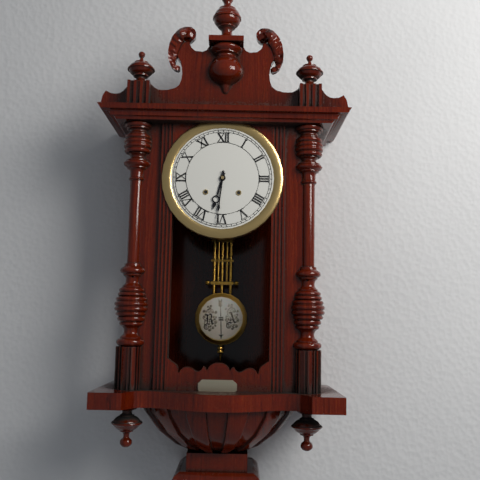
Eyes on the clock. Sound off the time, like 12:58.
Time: 6:31
